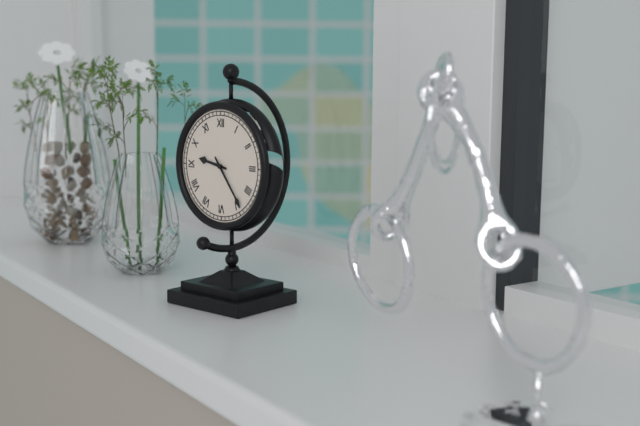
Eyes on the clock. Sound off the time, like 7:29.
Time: 9:24
